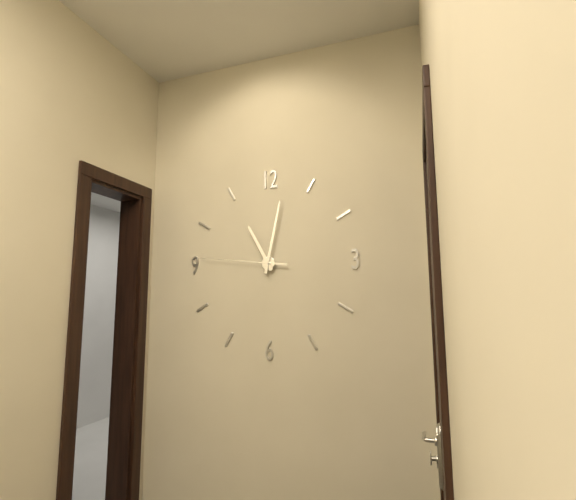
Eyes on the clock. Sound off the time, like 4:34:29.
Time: 11:02:46
